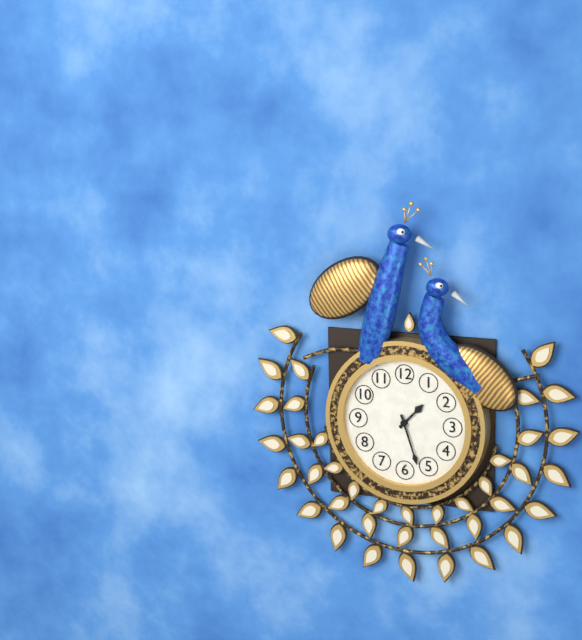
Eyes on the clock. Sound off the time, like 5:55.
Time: 1:27
